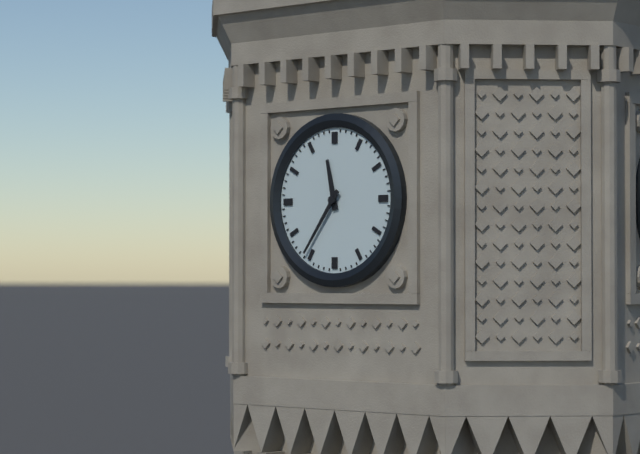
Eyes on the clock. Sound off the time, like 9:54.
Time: 11:36
